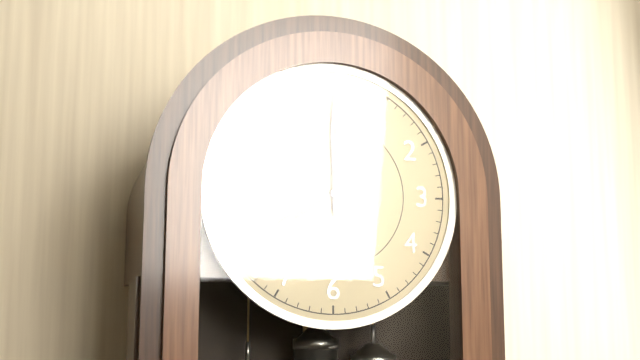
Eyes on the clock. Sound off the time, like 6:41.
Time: 8:00
